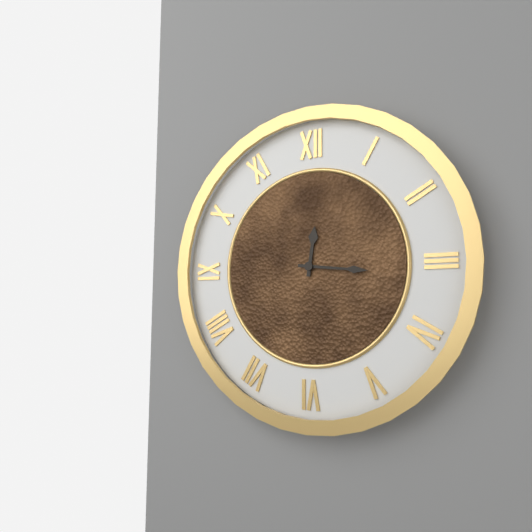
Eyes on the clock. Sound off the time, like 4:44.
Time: 12:16
